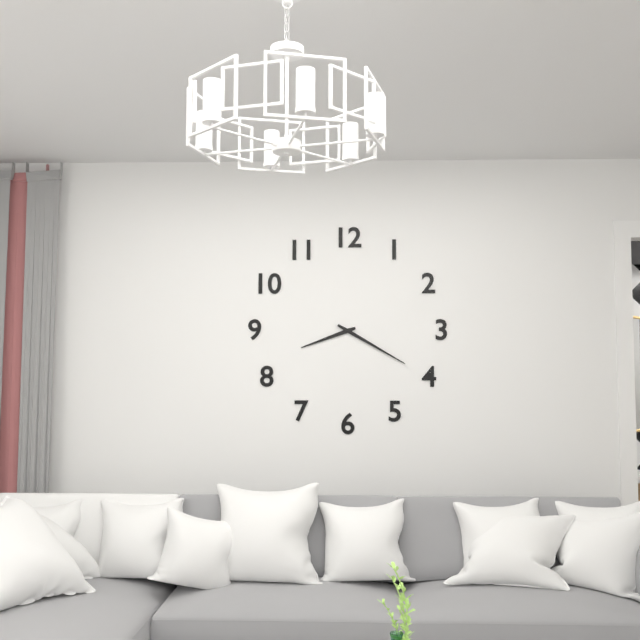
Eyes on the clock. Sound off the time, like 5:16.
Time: 8:20
